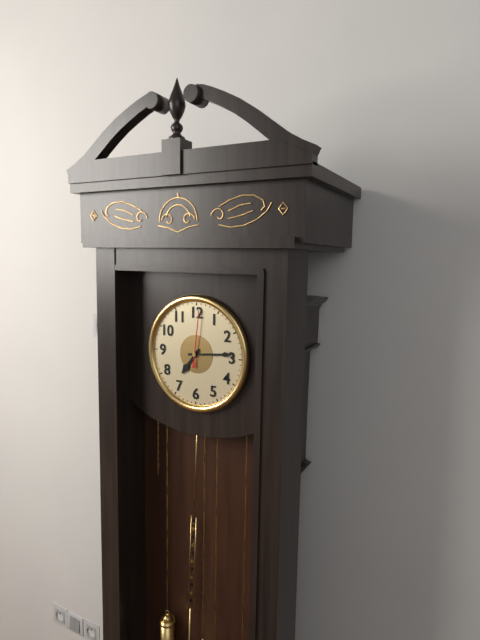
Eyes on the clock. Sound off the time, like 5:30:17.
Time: 7:14:01
